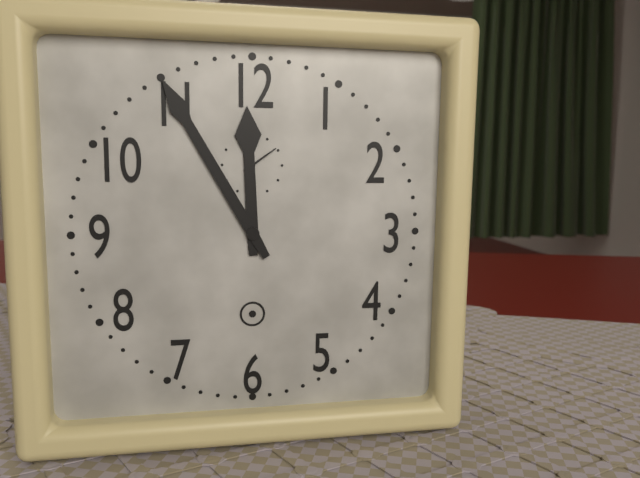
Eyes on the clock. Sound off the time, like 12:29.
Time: 11:55
